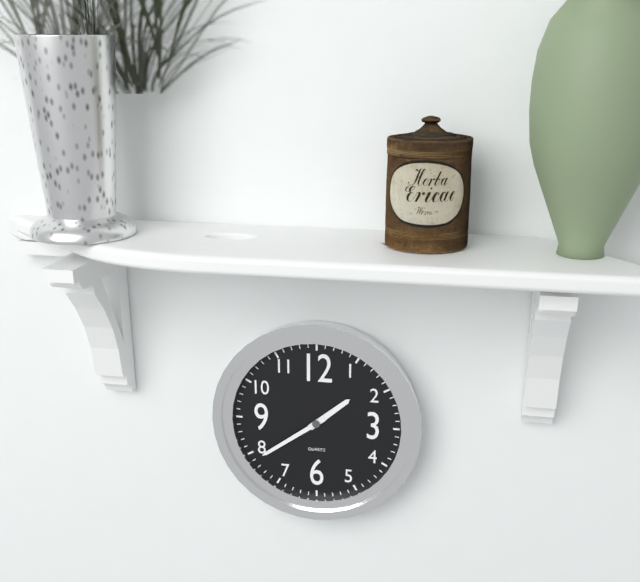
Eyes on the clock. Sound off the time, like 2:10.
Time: 1:39
